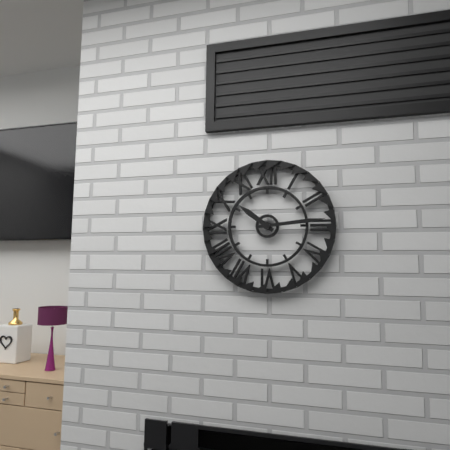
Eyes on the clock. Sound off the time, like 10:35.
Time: 10:14
